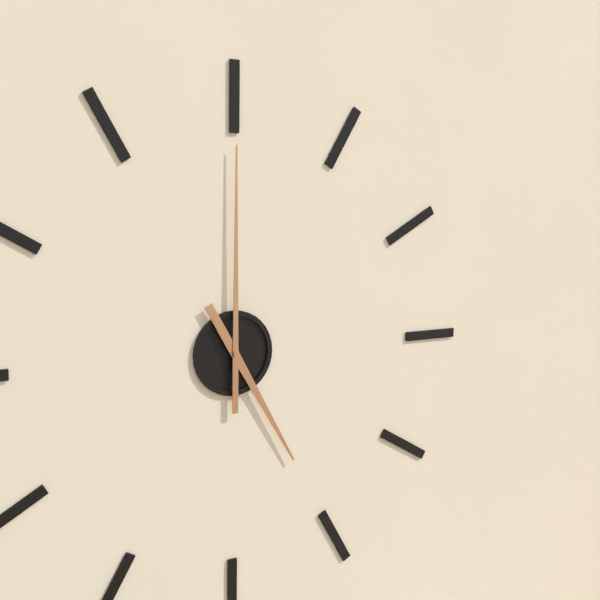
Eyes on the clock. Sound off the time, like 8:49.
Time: 5:00
